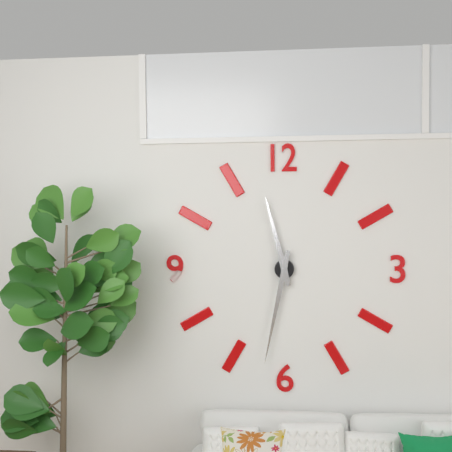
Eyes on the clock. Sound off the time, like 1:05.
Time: 11:32
